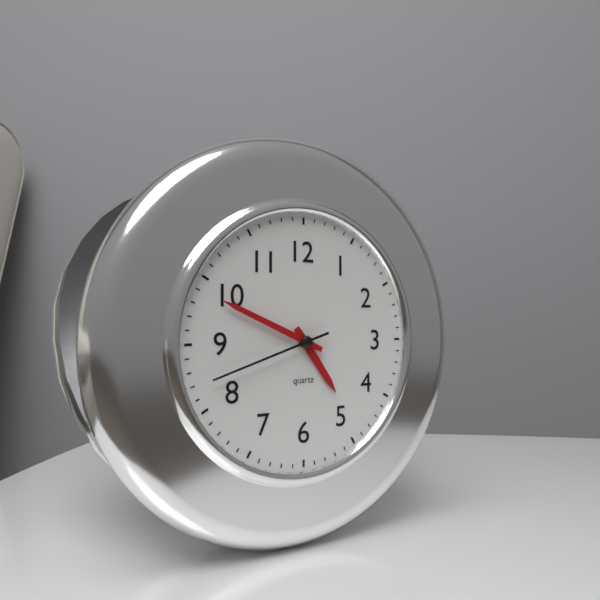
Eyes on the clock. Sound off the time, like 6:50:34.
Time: 4:49:42
